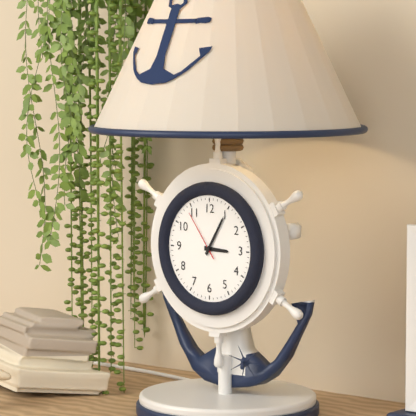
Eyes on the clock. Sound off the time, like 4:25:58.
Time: 3:05:54
